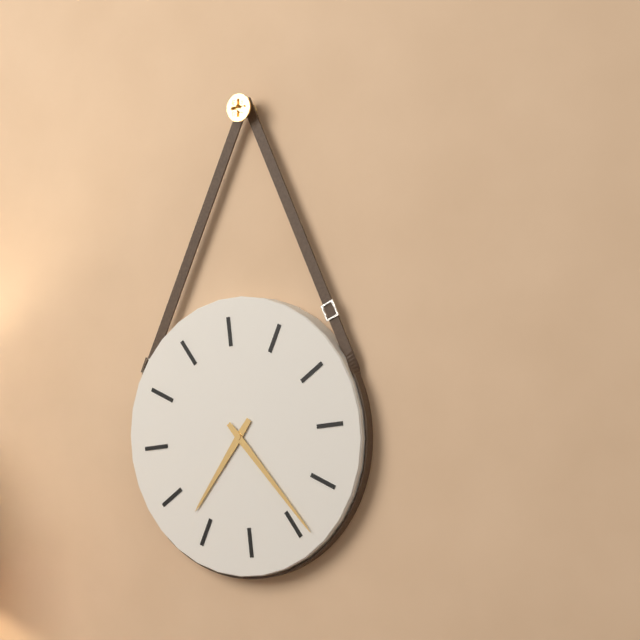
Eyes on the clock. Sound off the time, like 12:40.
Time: 7:24
